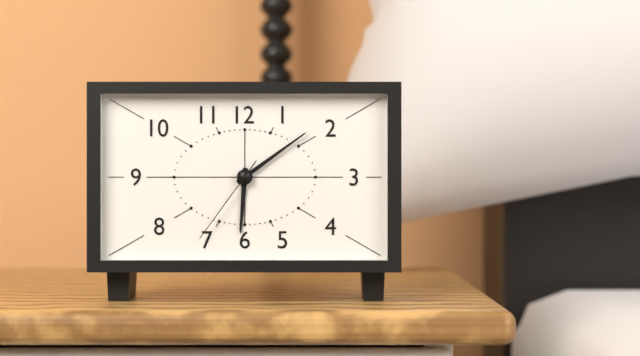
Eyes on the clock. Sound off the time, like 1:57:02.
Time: 6:09:36
